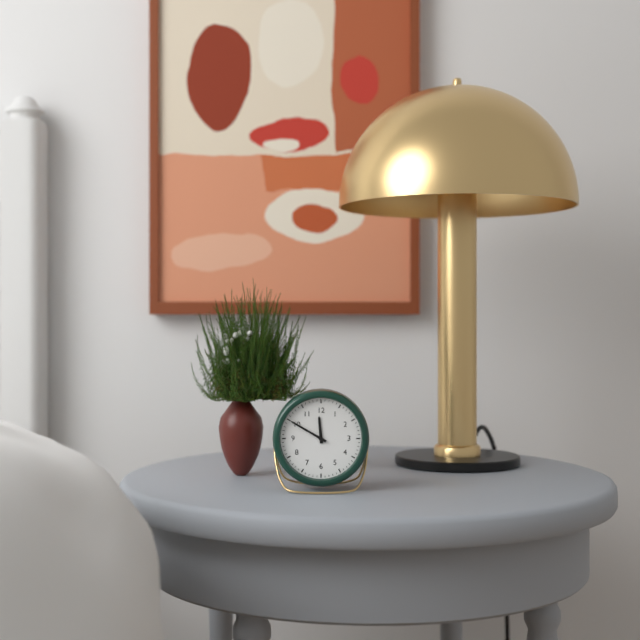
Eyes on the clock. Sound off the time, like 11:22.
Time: 11:50
